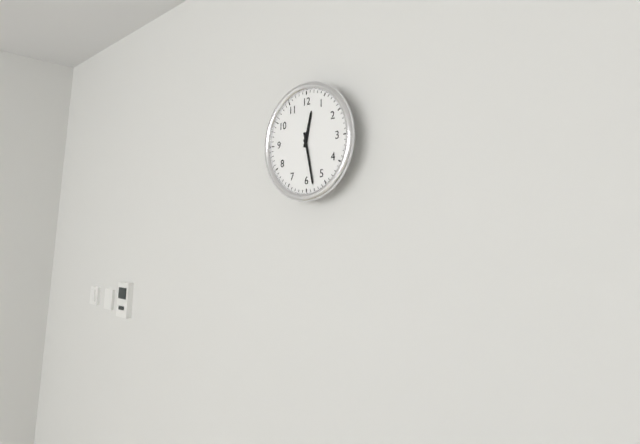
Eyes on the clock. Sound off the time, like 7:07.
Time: 12:28
